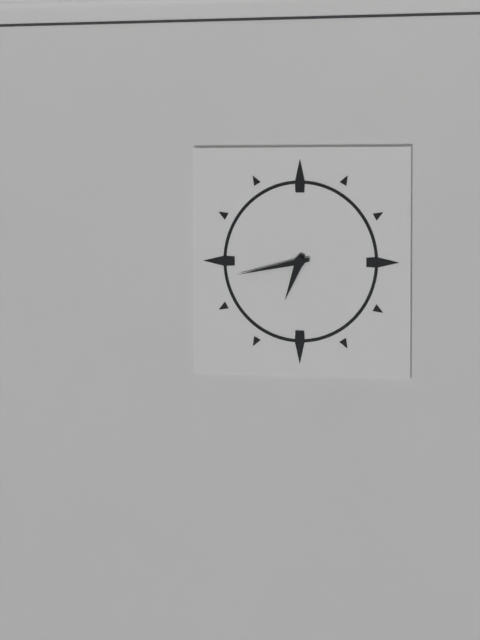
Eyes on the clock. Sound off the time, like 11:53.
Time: 6:43
